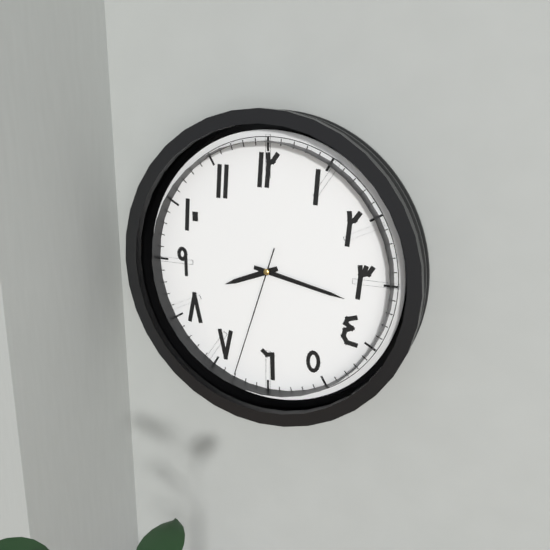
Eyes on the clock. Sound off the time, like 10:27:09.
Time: 8:17:33
